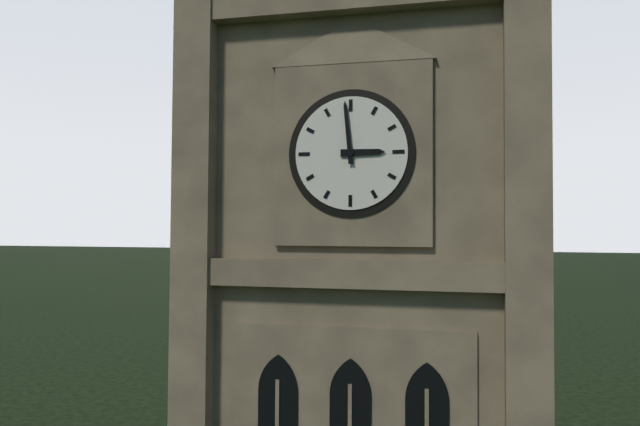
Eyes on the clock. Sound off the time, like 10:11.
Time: 2:59
